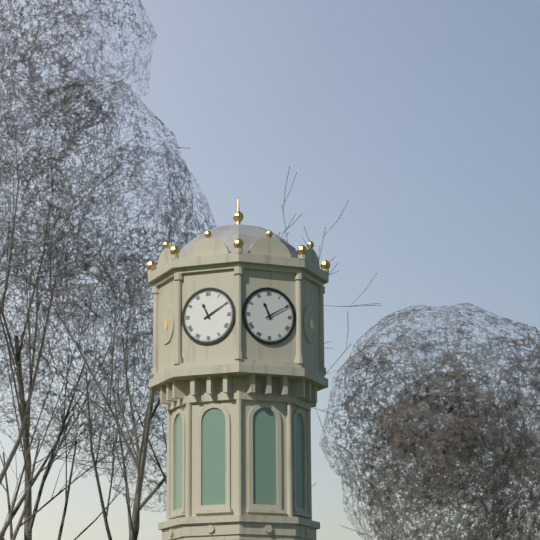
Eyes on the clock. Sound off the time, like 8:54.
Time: 11:10
